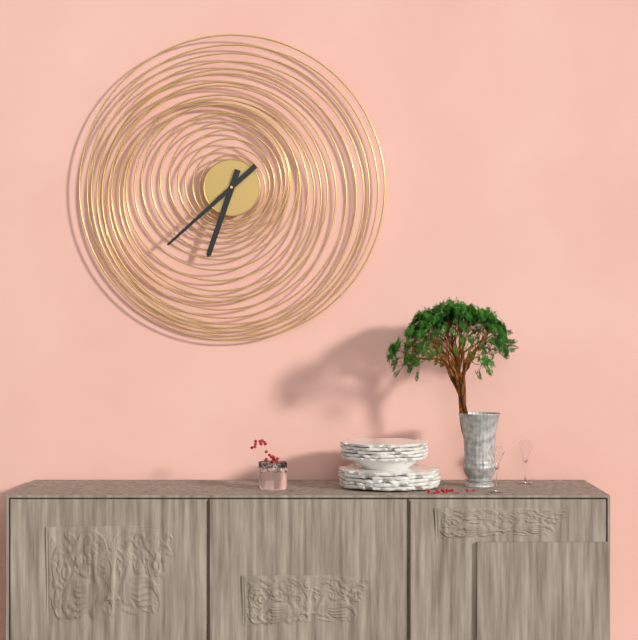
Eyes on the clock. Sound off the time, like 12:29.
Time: 6:38
